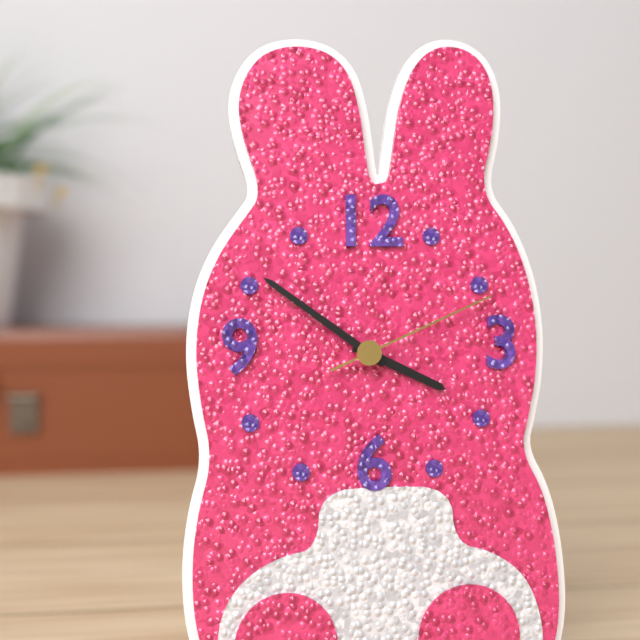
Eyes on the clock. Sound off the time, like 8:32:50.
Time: 3:51:11
